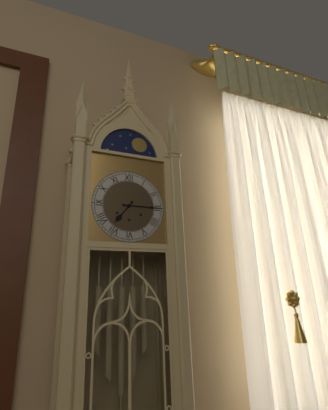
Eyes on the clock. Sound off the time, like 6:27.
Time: 7:15
